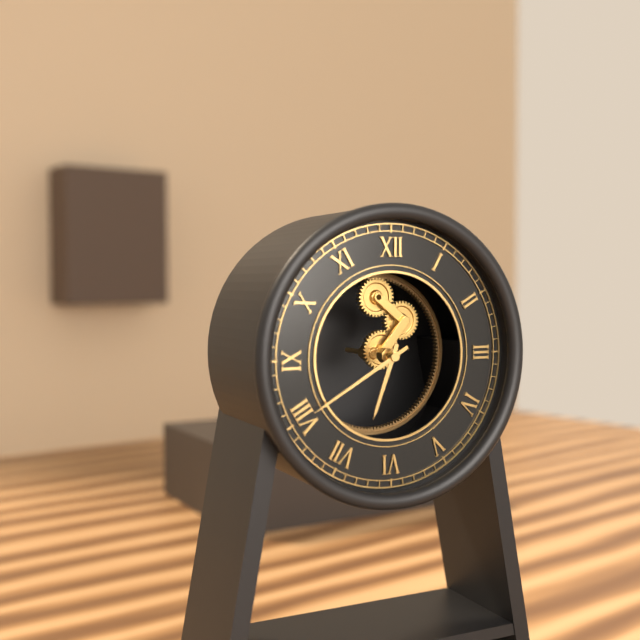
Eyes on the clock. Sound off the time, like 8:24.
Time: 6:40
